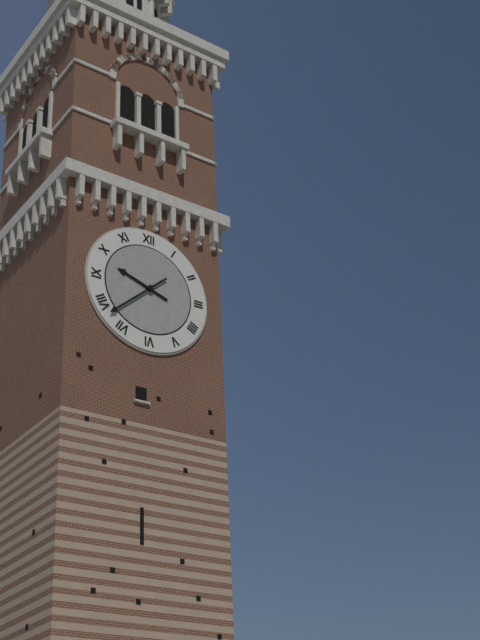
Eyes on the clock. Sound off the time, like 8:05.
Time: 9:38
